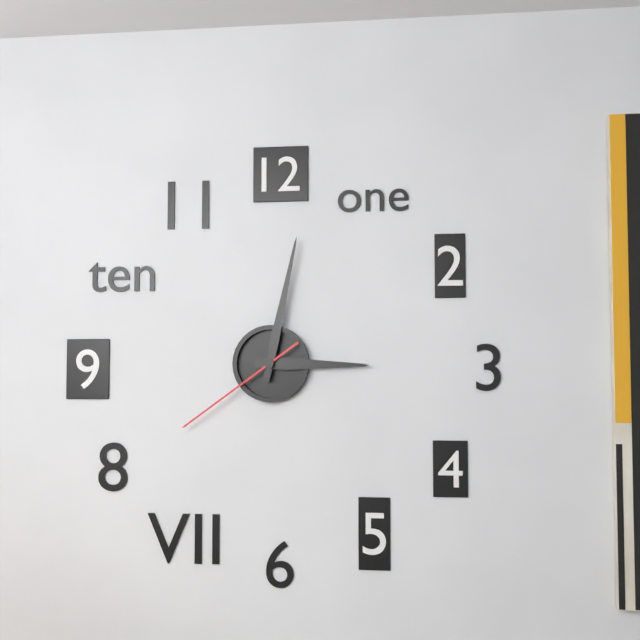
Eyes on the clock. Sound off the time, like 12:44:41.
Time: 3:02:39
